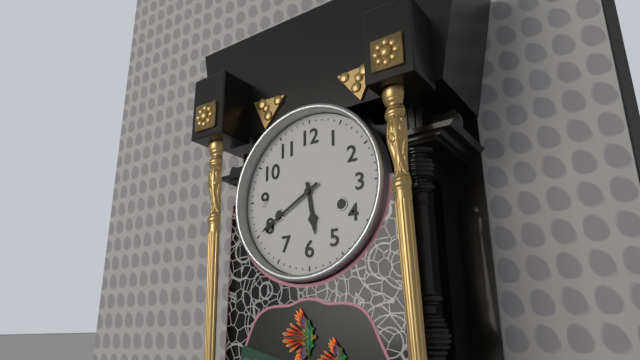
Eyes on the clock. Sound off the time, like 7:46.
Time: 5:40
